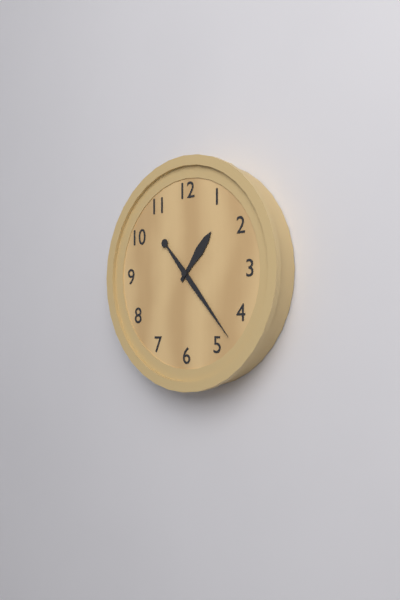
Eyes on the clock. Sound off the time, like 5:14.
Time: 1:23
